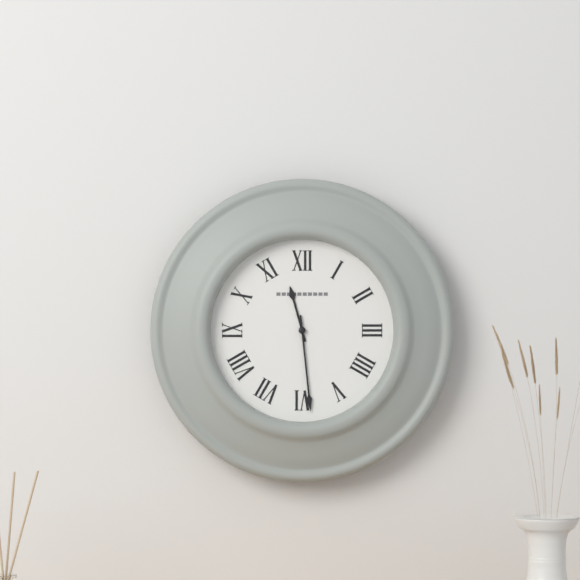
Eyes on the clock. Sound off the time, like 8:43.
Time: 11:29
